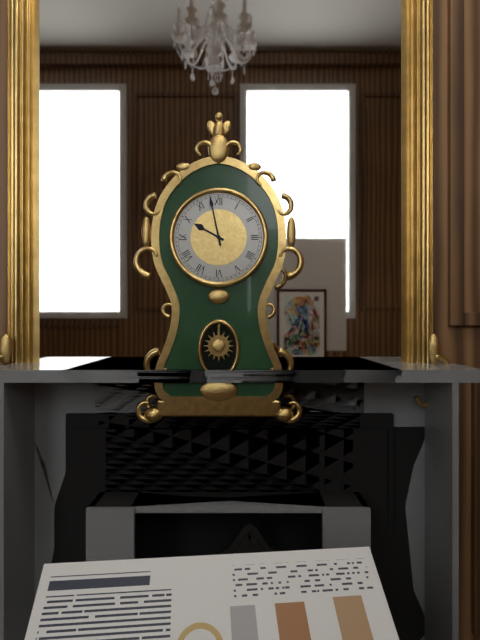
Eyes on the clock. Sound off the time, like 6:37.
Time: 9:58
